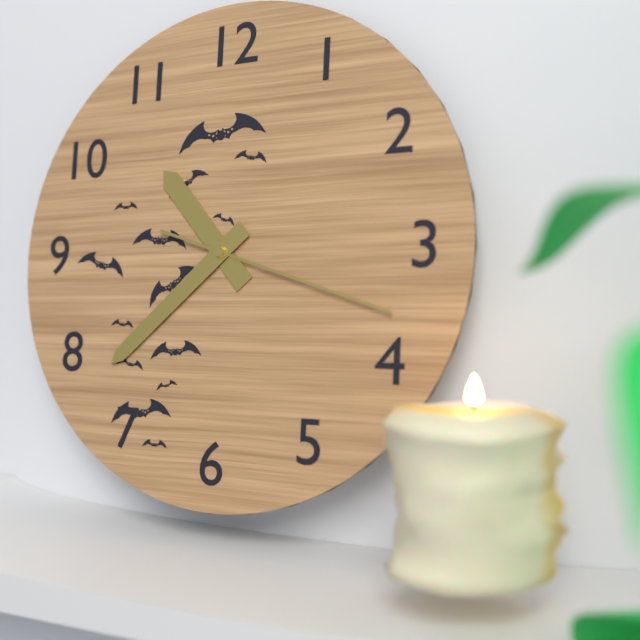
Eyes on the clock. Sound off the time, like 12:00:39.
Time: 10:38:18
